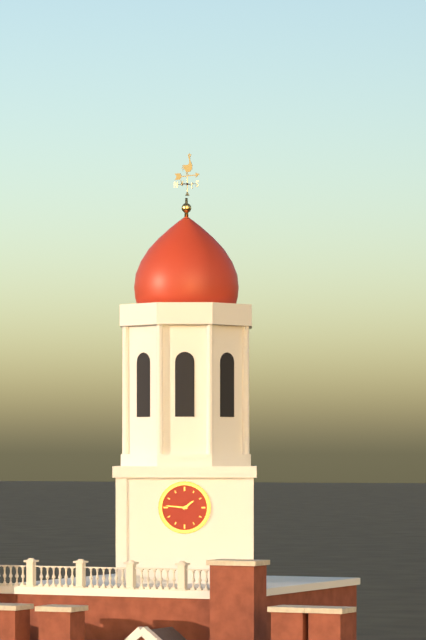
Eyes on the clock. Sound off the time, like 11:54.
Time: 1:46
